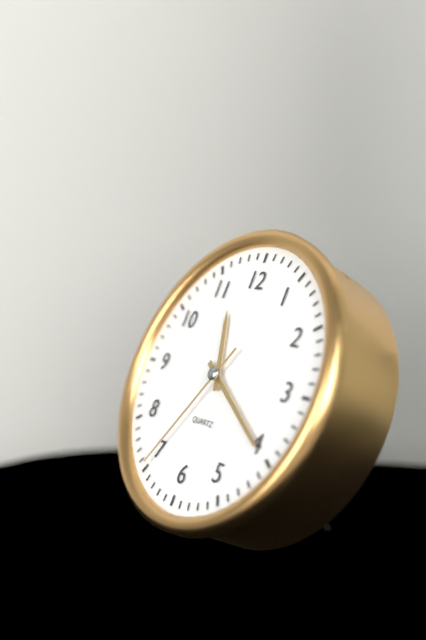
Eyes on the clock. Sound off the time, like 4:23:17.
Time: 11:20:35
